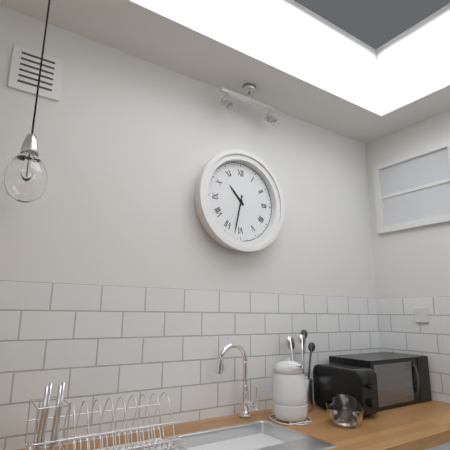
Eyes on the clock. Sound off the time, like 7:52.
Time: 10:32
